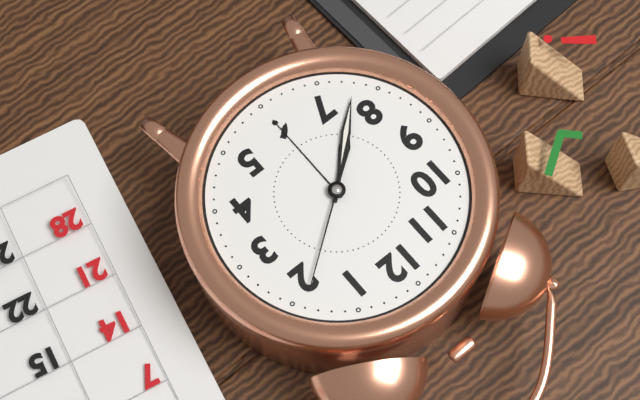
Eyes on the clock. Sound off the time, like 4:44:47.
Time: 7:38:09
